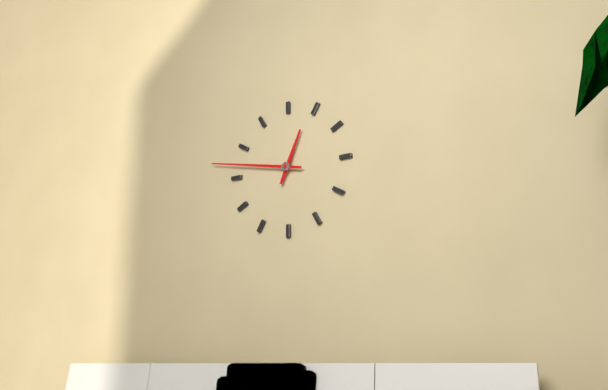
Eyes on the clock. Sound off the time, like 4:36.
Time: 12:47
